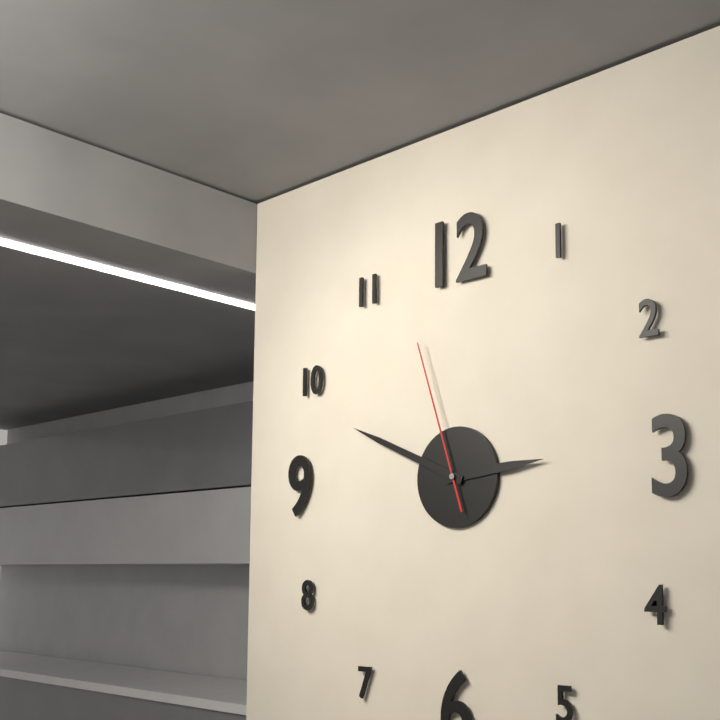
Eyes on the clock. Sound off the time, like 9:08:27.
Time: 2:49:57
